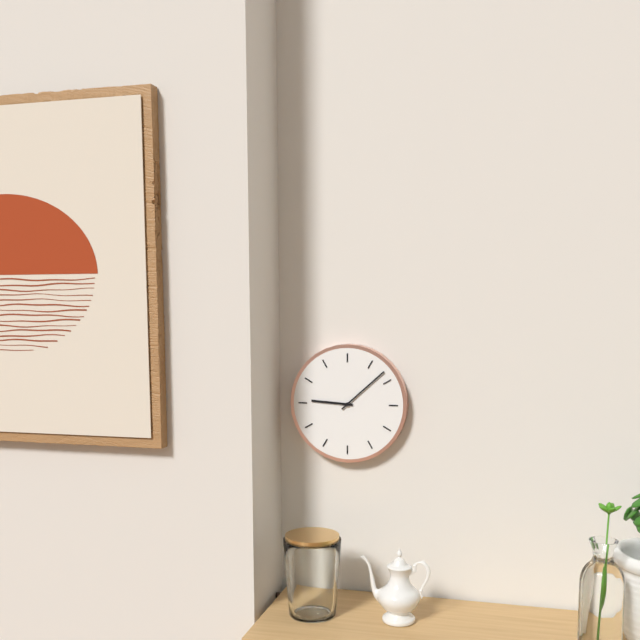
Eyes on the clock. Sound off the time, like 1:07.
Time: 9:08
